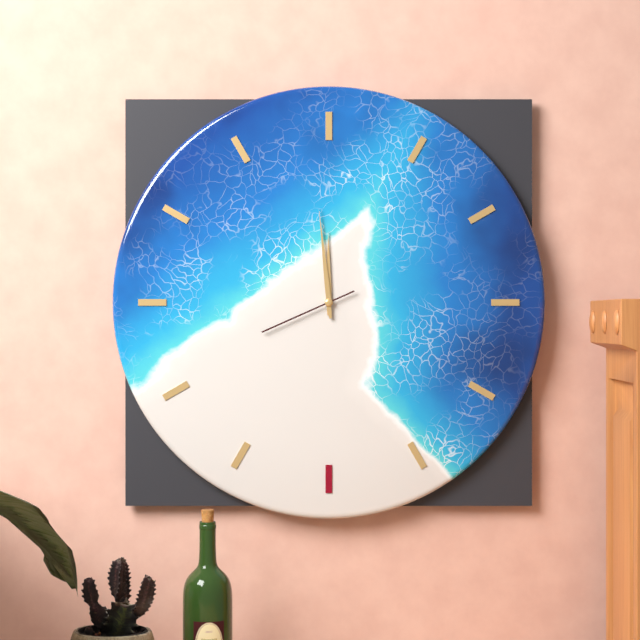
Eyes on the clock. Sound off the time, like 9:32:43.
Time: 11:59:41
